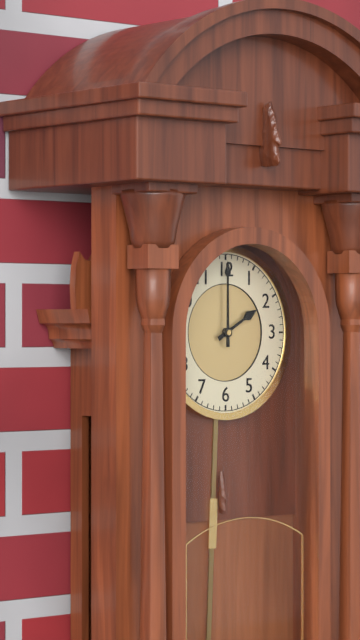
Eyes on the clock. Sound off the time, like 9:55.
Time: 2:00
